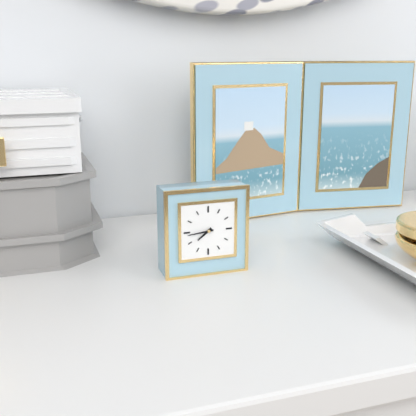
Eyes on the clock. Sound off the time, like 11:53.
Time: 7:44
